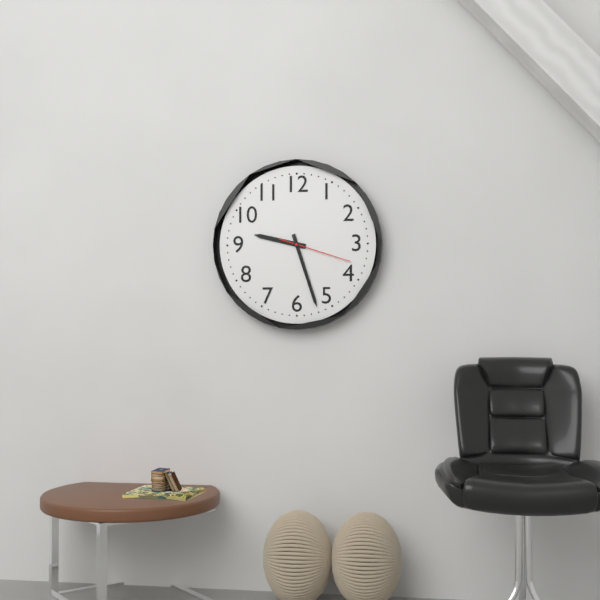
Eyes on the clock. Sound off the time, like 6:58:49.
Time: 9:27:18
